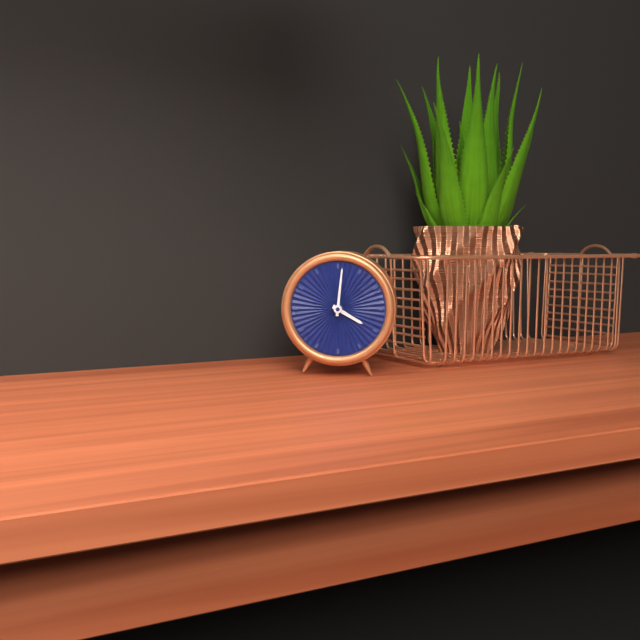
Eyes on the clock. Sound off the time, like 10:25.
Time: 4:01
